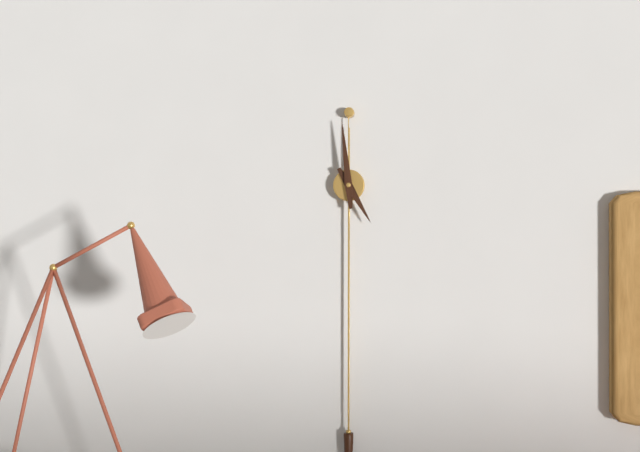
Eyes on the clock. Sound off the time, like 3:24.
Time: 4:59
